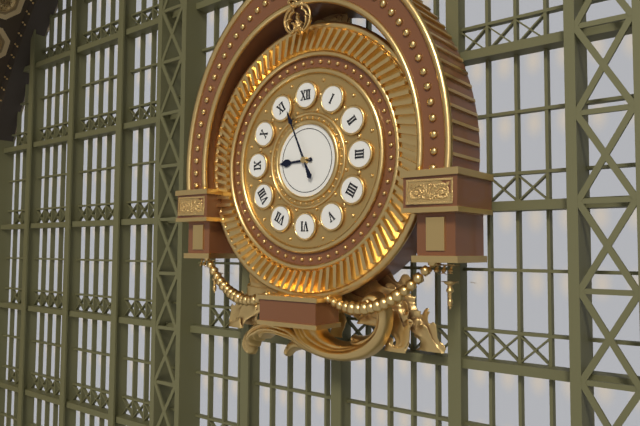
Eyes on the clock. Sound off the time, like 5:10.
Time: 8:56
